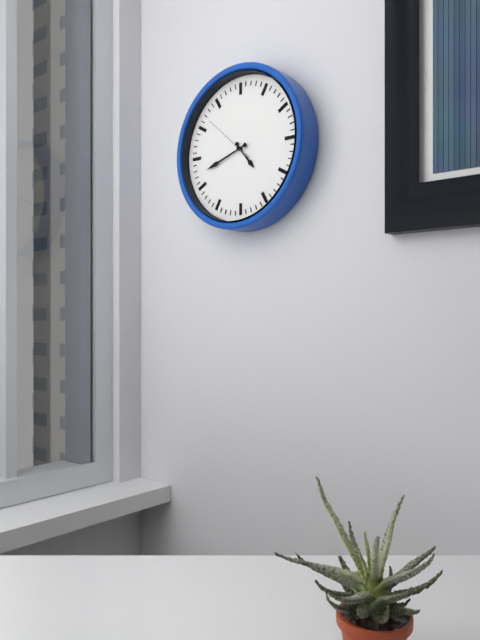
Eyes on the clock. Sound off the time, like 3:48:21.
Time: 4:42:52
